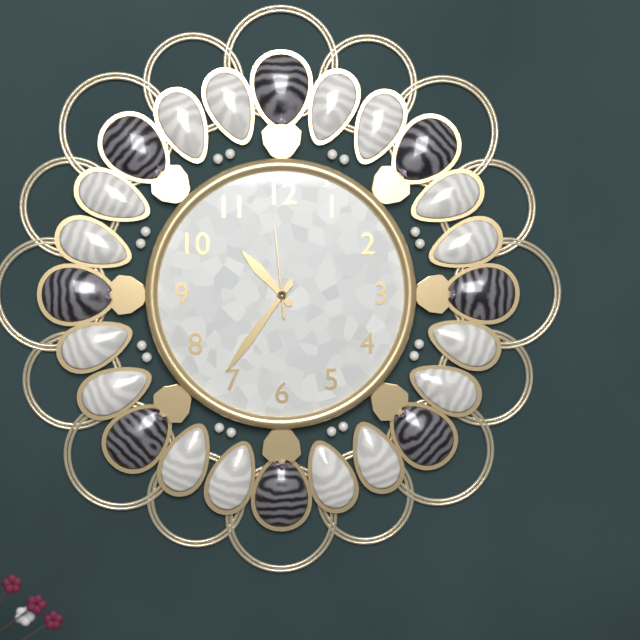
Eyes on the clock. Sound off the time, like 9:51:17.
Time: 10:36:59
